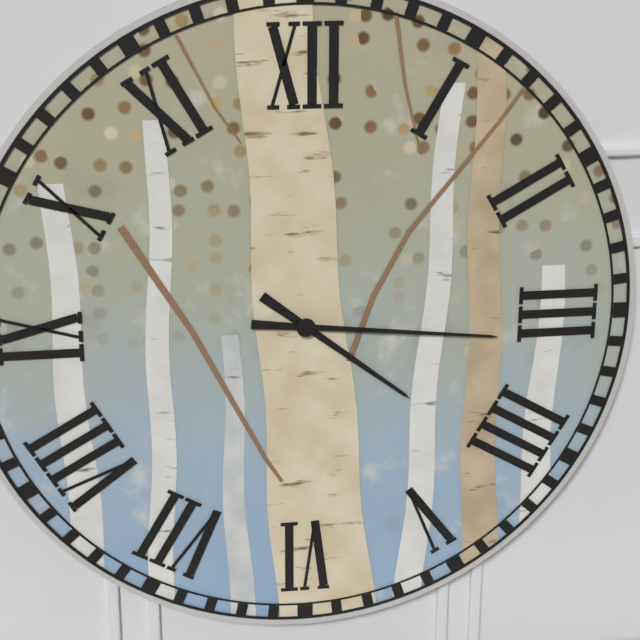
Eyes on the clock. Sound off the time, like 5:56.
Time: 4:16
